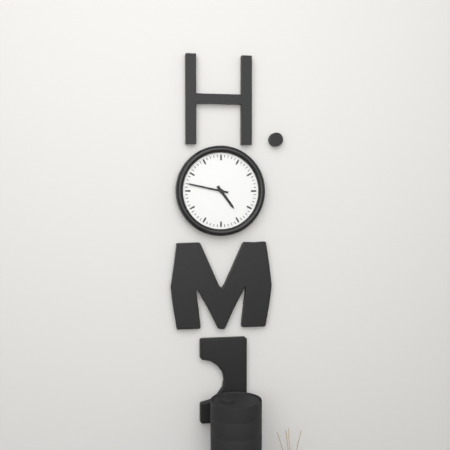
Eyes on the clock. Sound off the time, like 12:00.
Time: 4:47
